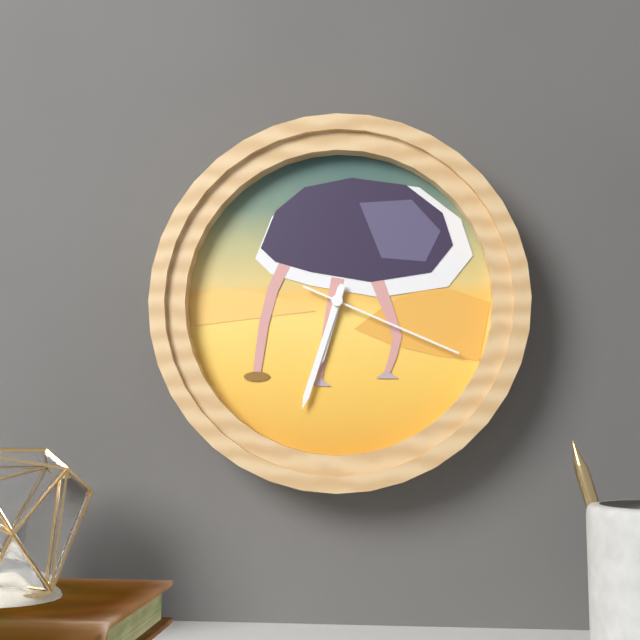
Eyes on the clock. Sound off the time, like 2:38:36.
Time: 6:33:19
